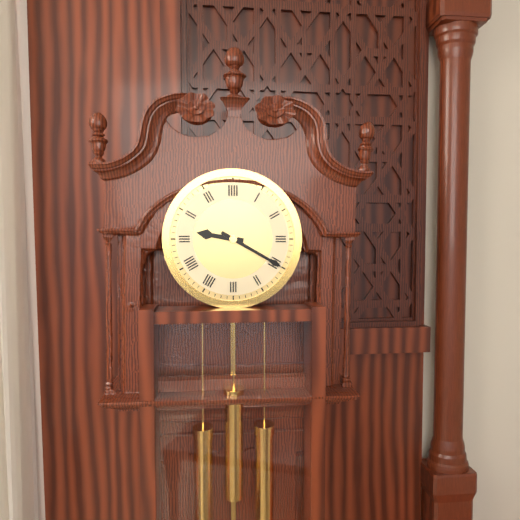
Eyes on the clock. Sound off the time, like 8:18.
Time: 9:20
